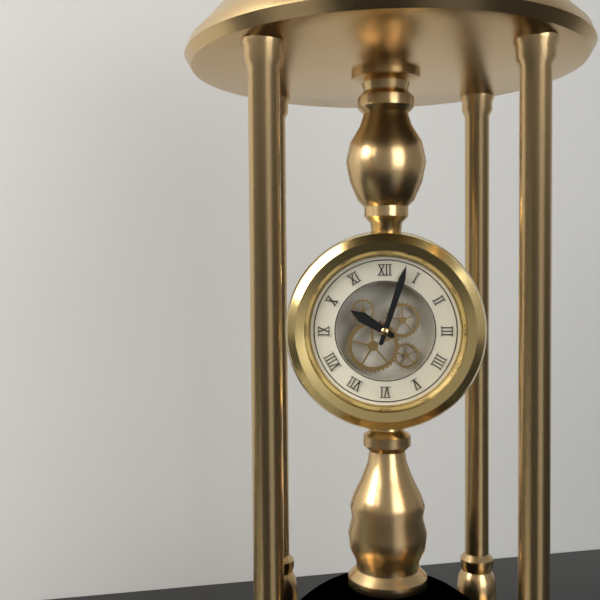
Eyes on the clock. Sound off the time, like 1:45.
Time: 10:03
